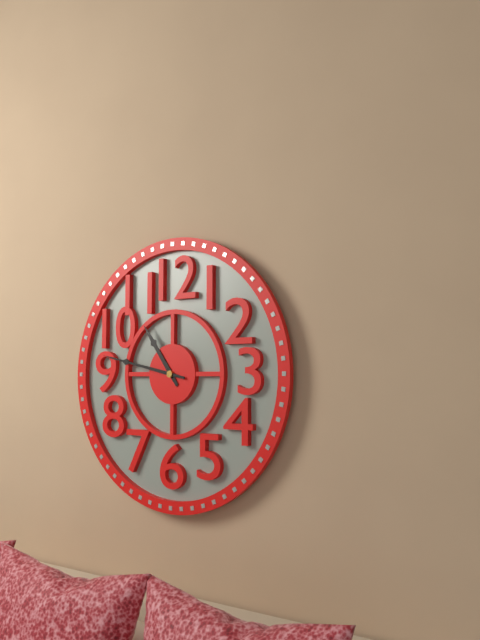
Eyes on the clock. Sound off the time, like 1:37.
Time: 10:47
